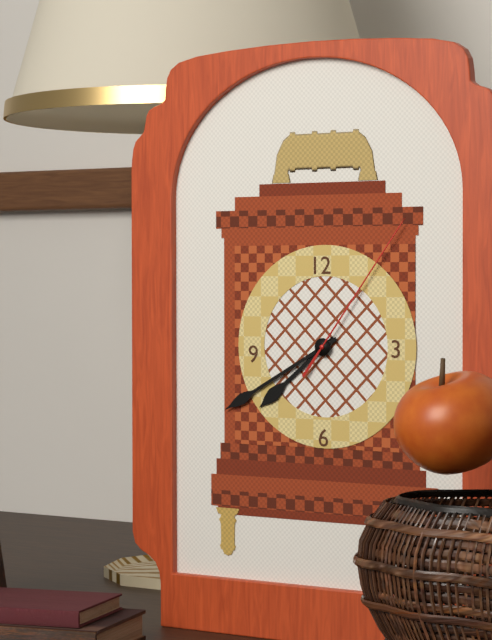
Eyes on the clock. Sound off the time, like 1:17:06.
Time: 7:40:06
